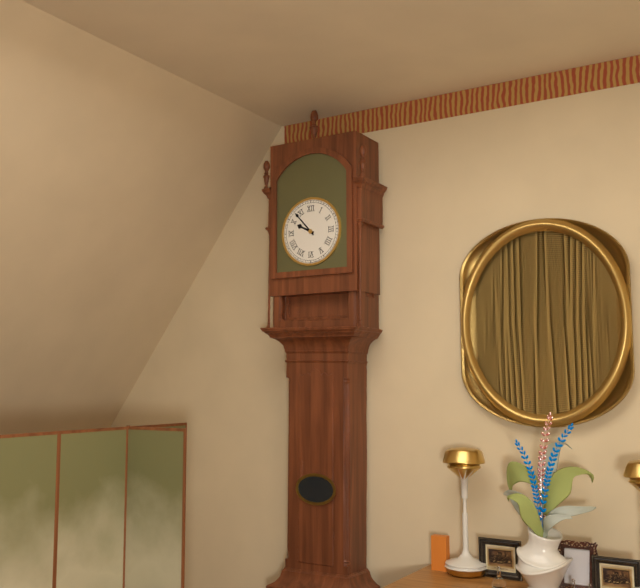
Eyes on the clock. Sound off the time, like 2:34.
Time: 9:53
